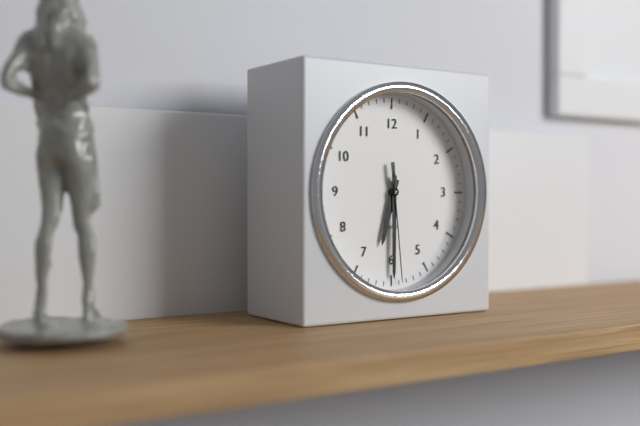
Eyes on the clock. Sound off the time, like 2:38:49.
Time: 6:30:29
